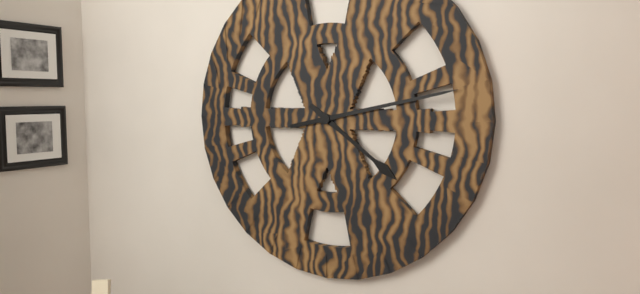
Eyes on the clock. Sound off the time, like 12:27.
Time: 4:13
